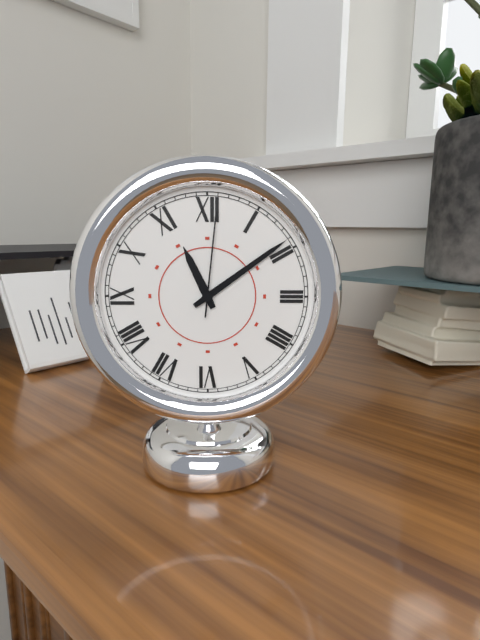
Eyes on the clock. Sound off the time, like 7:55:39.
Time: 11:09:01
